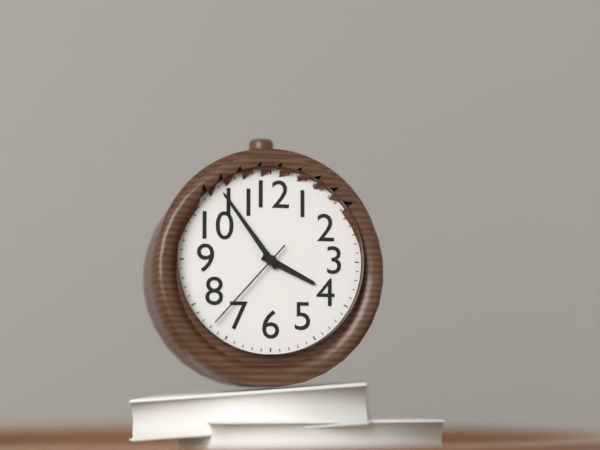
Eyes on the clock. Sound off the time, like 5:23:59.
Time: 3:54:37
